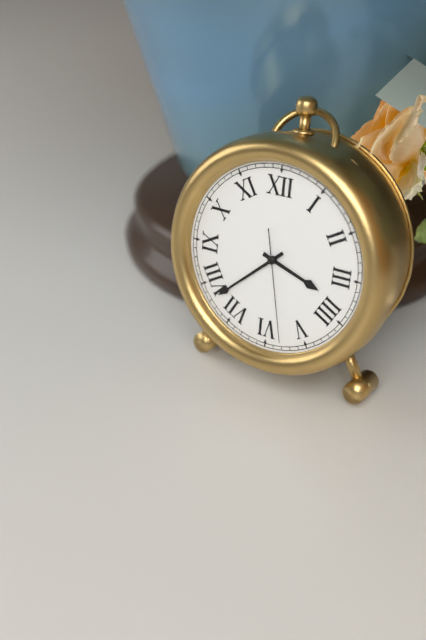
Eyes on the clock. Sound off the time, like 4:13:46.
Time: 3:38:28
